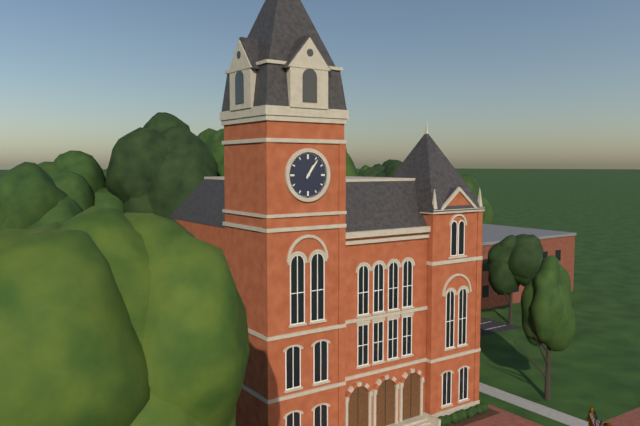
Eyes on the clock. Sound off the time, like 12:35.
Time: 1:06
